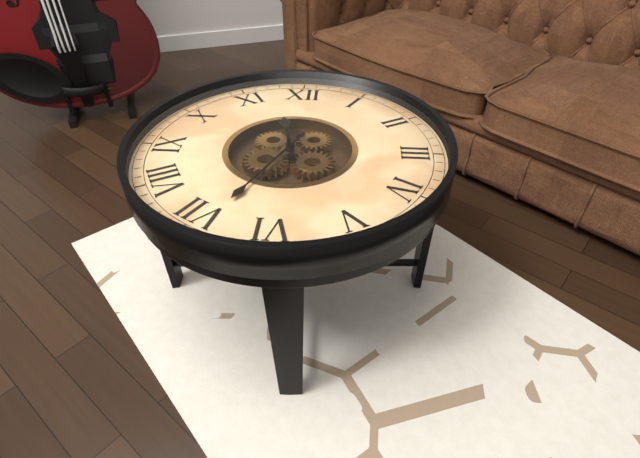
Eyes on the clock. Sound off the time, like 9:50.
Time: 11:34
